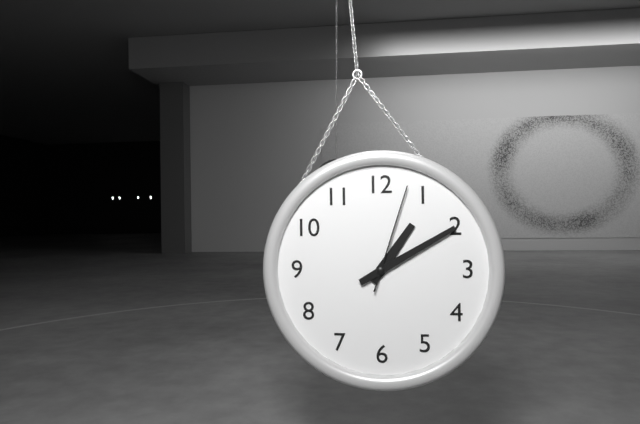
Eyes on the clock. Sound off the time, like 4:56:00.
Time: 1:10:03
